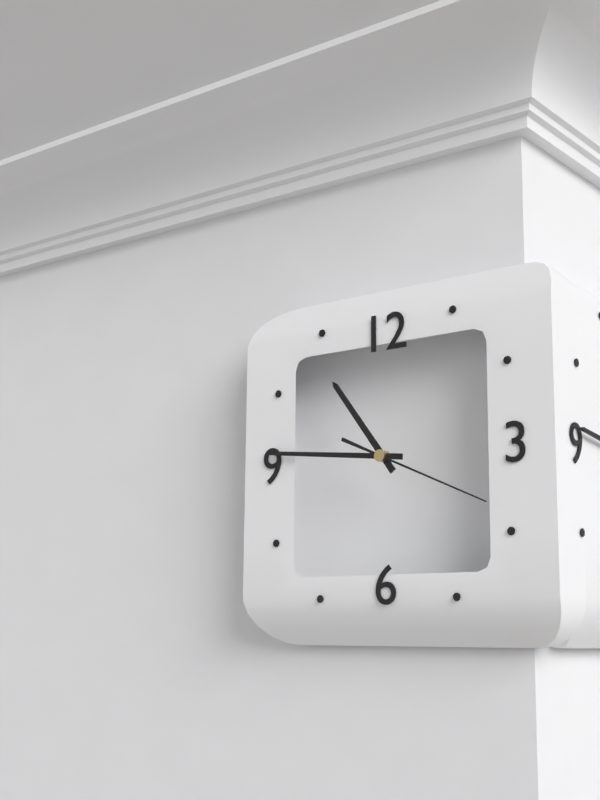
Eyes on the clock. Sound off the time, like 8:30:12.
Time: 10:46:19
